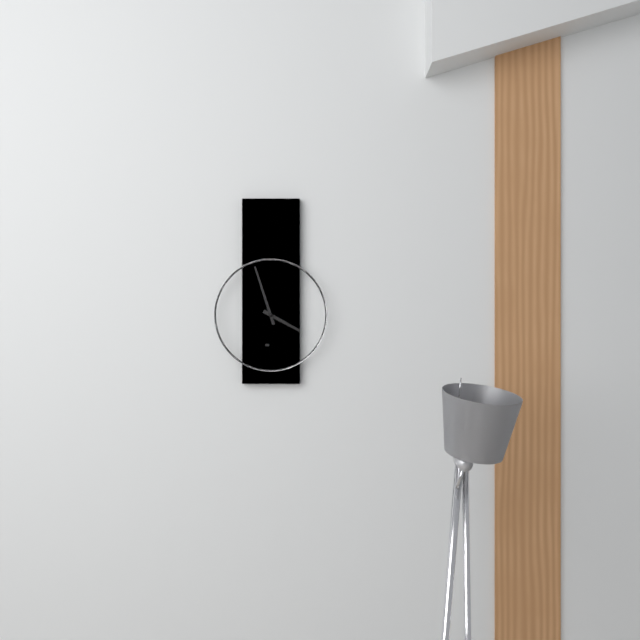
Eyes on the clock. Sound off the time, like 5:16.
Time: 3:57
